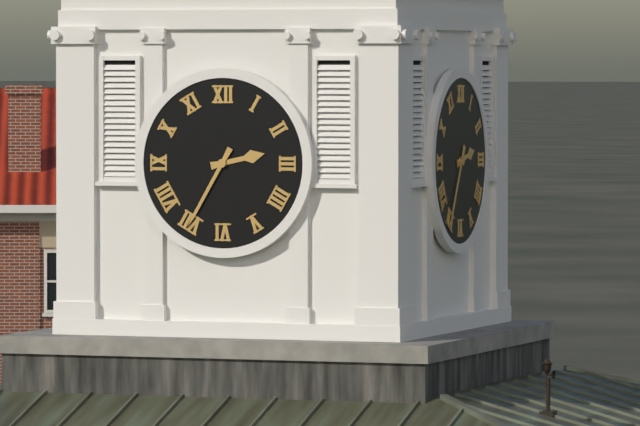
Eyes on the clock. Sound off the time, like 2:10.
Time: 2:35
